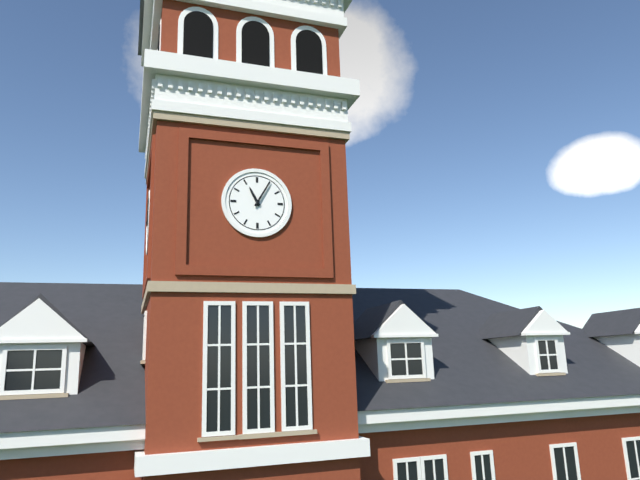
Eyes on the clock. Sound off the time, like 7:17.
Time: 11:05
